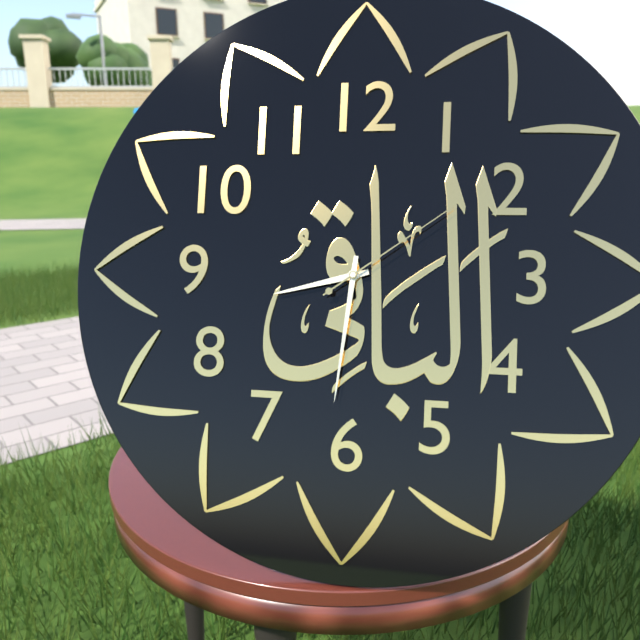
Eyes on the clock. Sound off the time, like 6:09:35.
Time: 8:31:09
